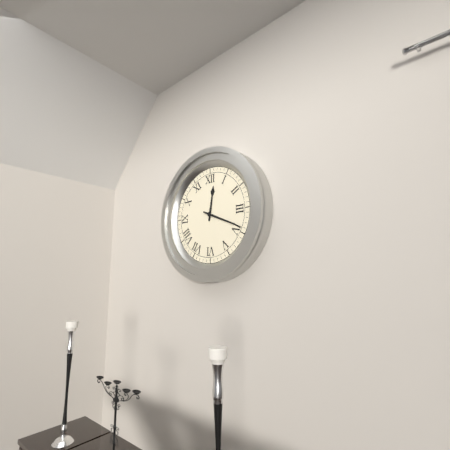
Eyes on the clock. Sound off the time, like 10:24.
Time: 12:19
